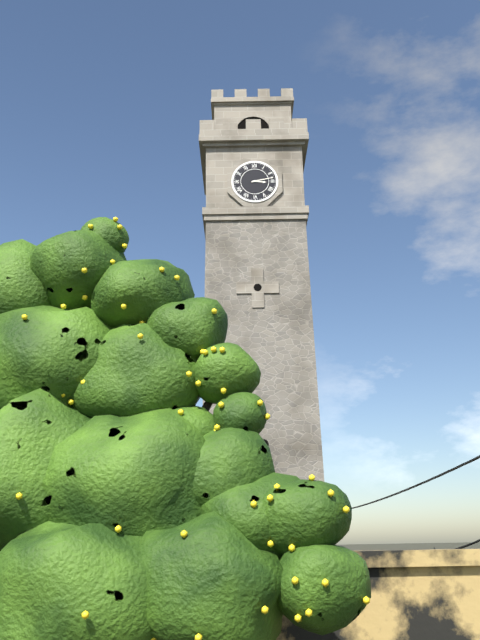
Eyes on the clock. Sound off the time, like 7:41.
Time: 3:13
